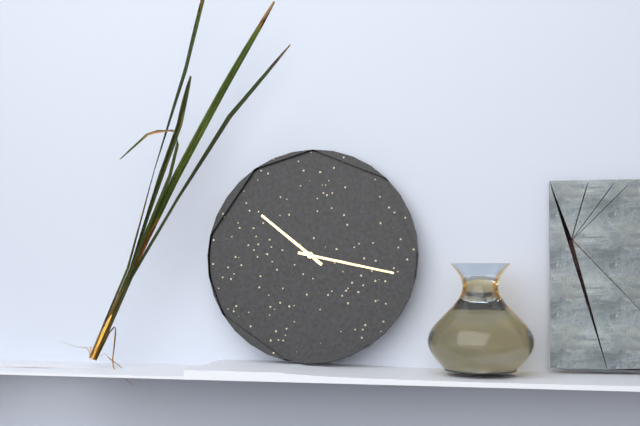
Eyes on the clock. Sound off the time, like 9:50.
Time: 10:17
